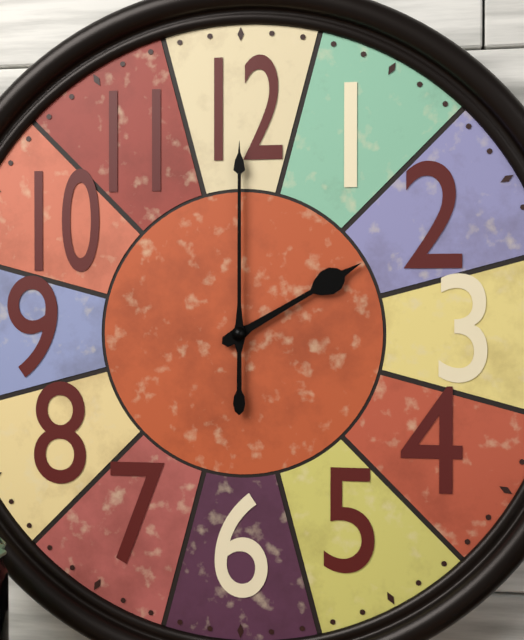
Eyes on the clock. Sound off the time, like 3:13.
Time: 2:00
